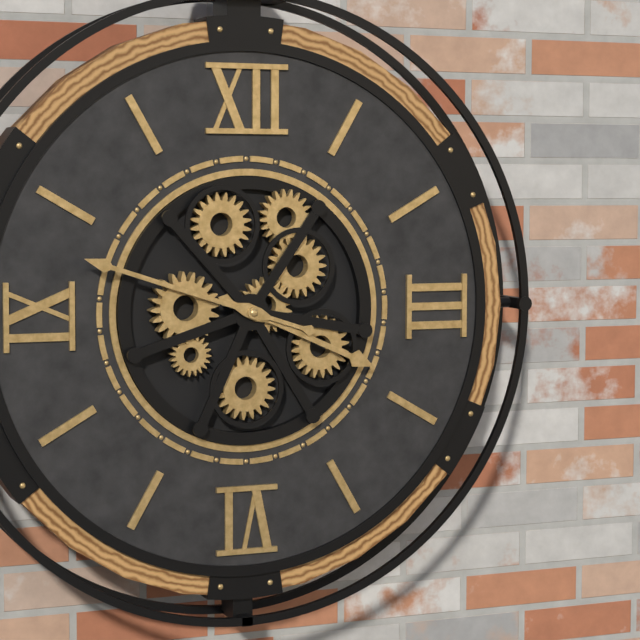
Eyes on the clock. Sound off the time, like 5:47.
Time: 3:48
